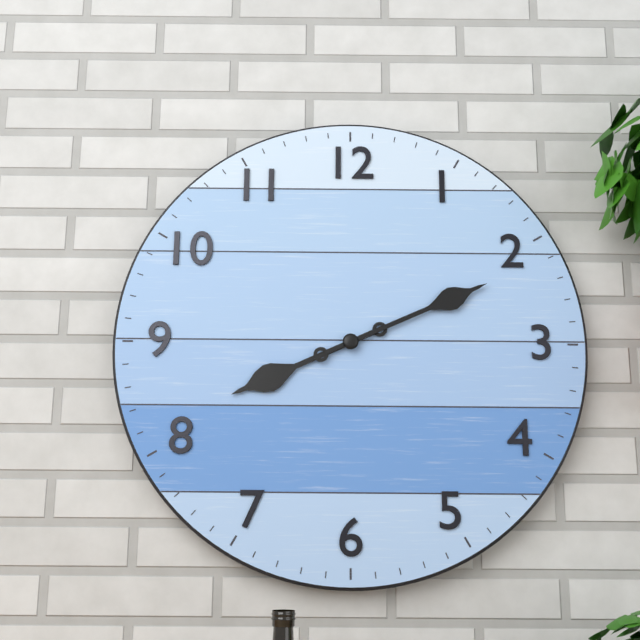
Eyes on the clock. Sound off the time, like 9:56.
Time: 8:11
